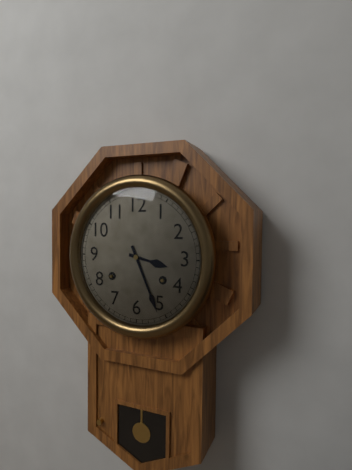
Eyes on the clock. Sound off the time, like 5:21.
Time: 3:26
